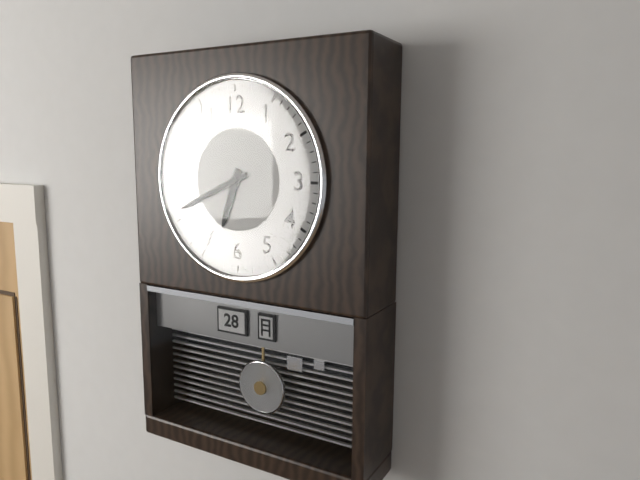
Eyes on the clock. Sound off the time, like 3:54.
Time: 6:41
